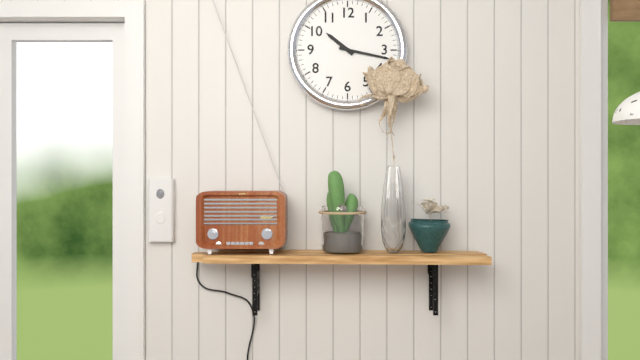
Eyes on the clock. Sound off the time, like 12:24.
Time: 10:17
